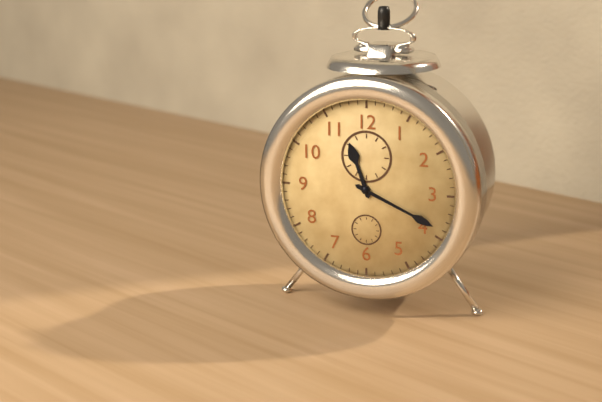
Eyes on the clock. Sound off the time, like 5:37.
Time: 11:19
